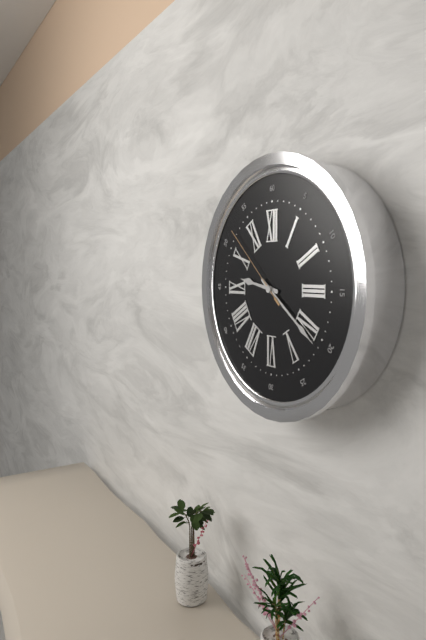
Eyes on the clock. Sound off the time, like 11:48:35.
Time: 9:21:52
